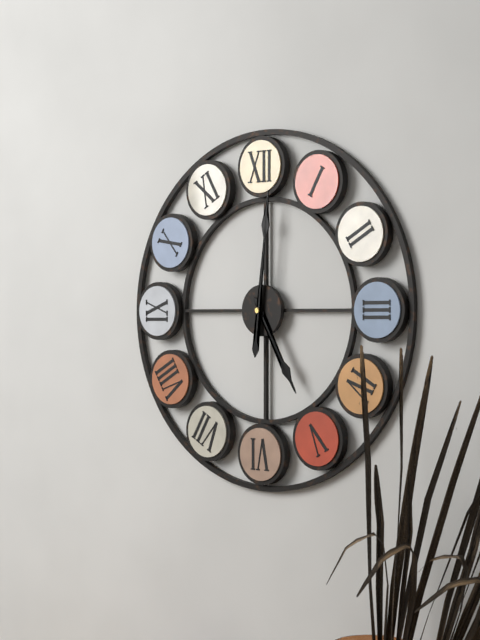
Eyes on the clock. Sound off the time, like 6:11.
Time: 5:01
